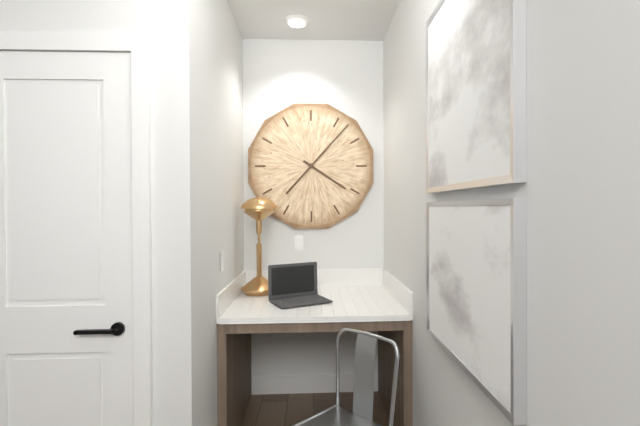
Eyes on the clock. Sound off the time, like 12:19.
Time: 4:07
